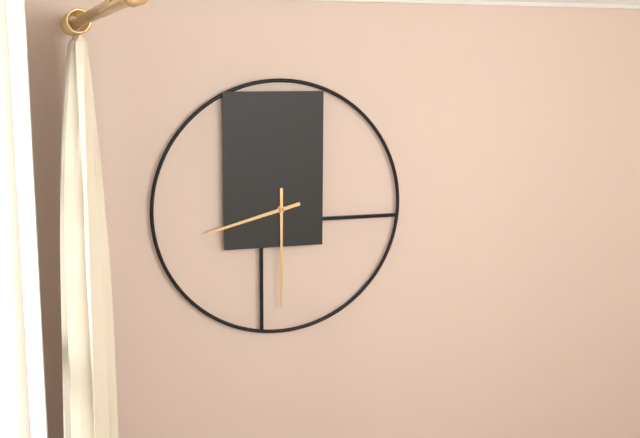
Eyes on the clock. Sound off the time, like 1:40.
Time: 8:30
